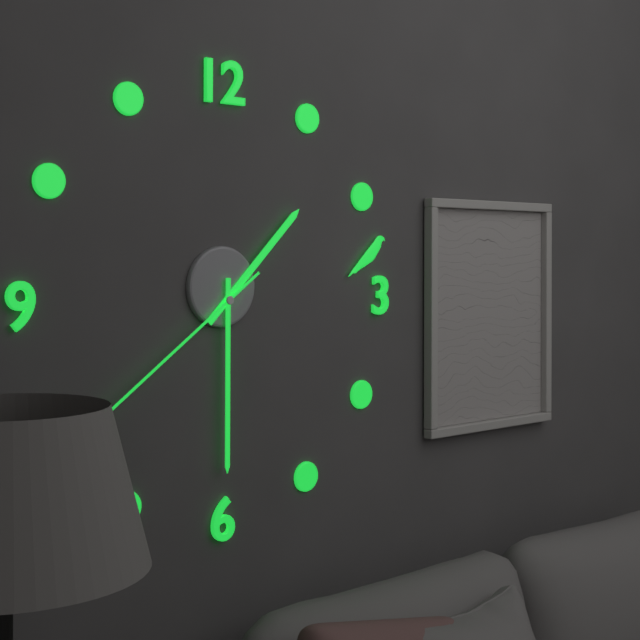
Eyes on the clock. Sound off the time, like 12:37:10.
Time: 1:30:39
